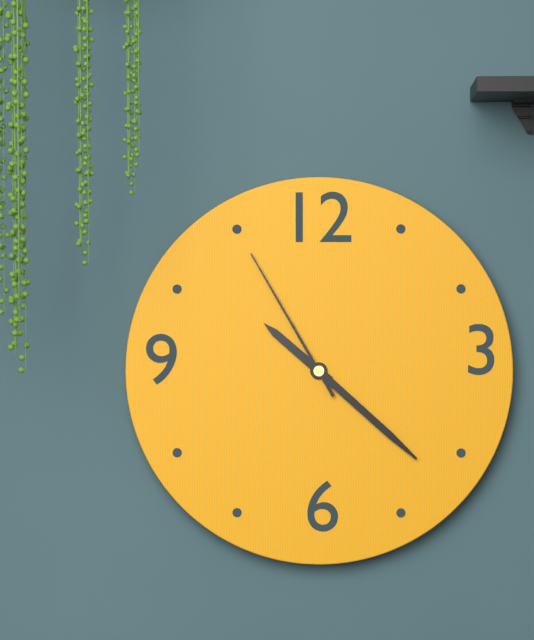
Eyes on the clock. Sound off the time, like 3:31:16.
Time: 10:22:55
